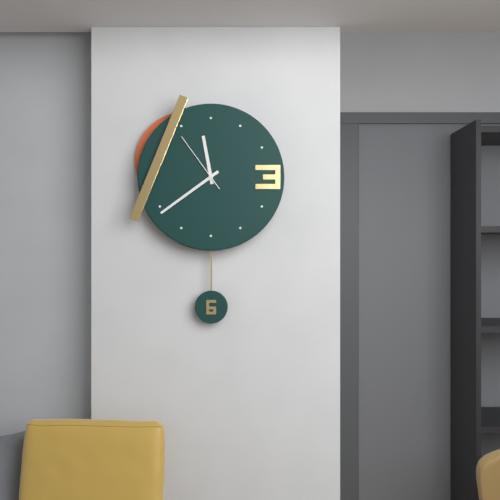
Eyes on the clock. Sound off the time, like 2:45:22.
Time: 11:39:54
